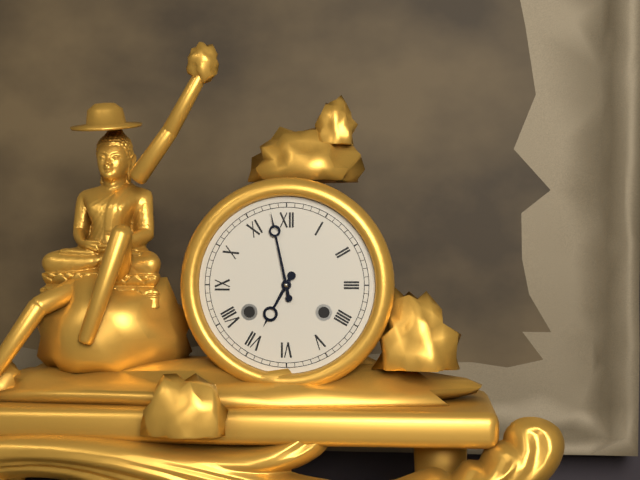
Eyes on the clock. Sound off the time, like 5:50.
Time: 6:58
